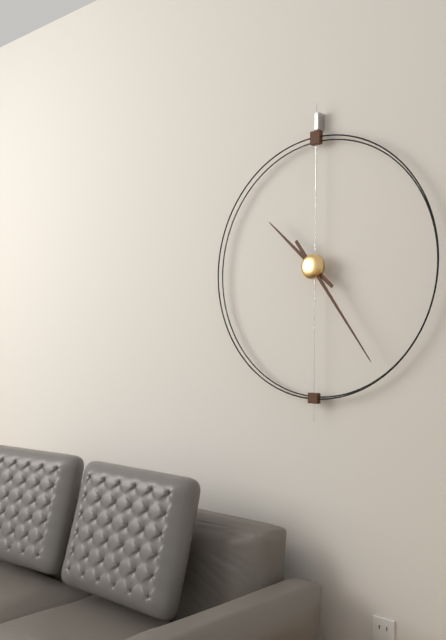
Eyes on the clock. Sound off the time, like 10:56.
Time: 10:24
